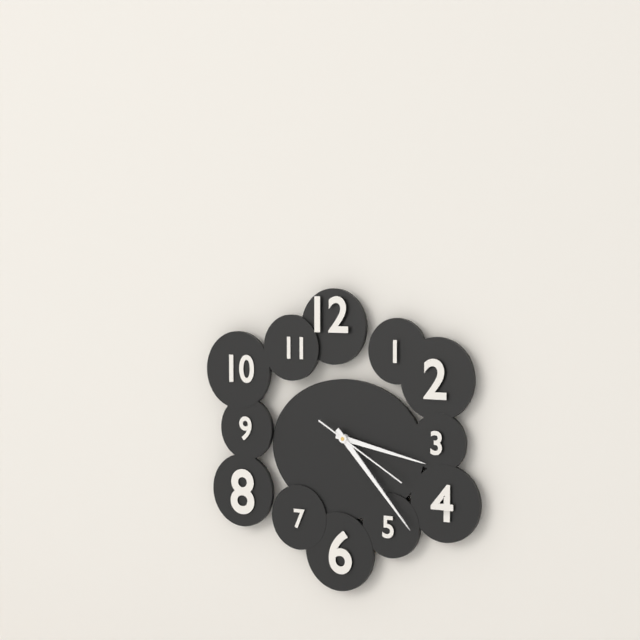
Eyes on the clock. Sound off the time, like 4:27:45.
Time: 3:23:20
